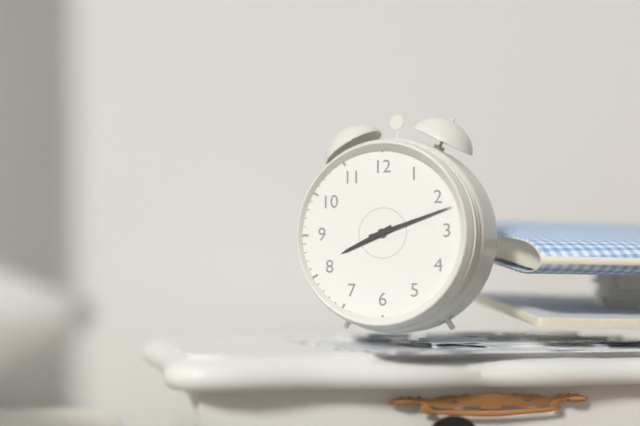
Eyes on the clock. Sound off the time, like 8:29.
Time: 8:12
